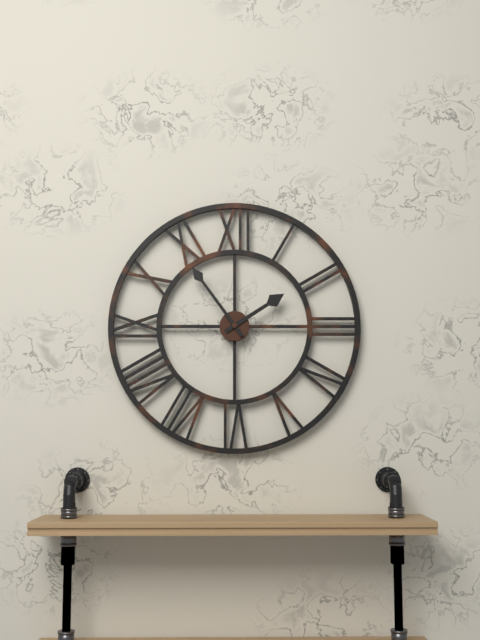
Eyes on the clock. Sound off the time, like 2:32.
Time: 1:54
